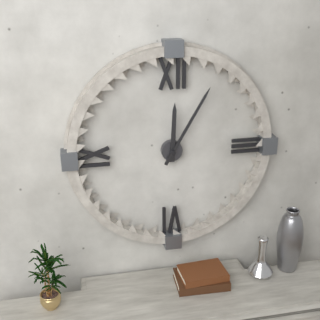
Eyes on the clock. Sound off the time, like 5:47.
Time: 12:05
